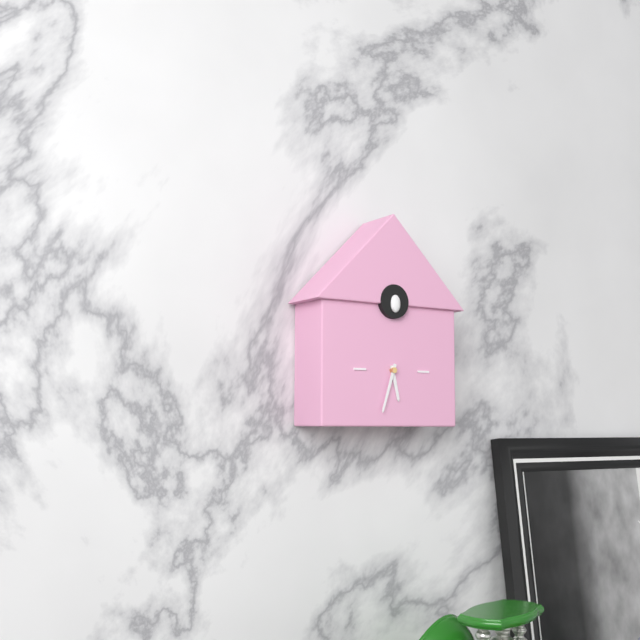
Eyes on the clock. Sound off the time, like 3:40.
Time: 5:33
